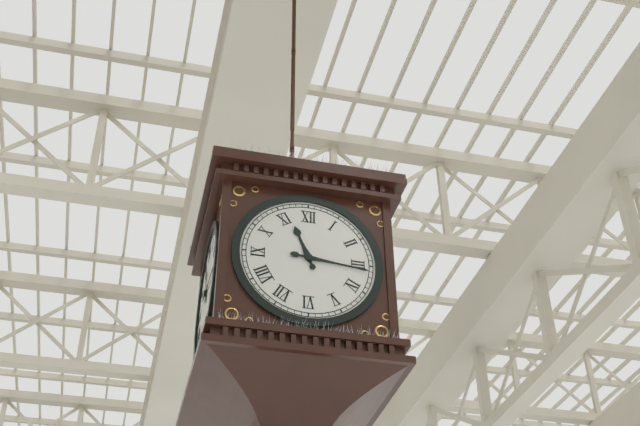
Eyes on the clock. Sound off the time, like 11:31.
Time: 11:16
